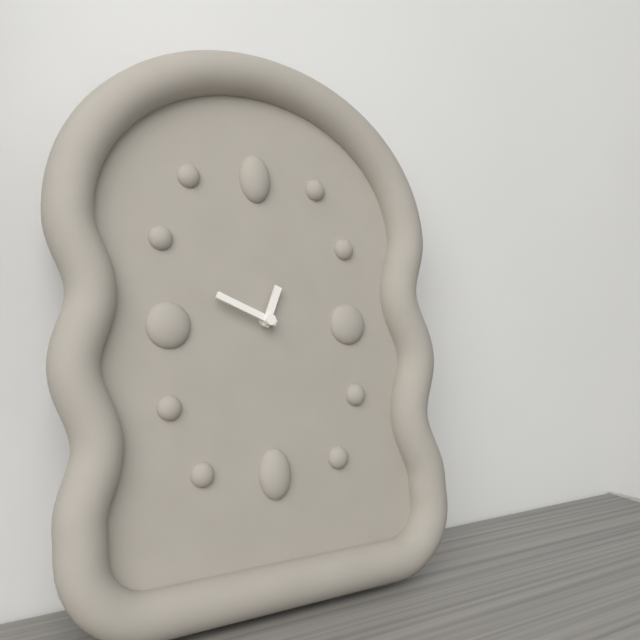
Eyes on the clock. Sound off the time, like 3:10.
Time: 12:49
